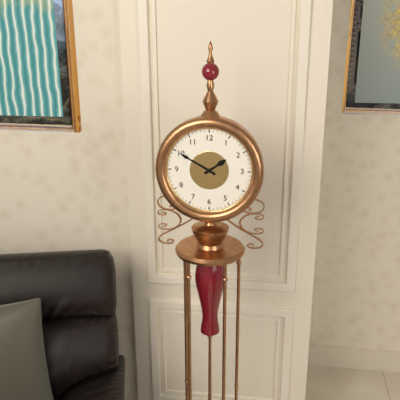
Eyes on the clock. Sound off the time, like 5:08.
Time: 1:50
